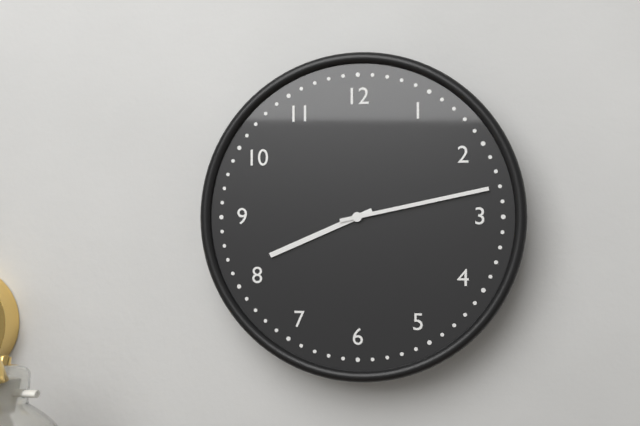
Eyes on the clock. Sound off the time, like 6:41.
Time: 8:13
